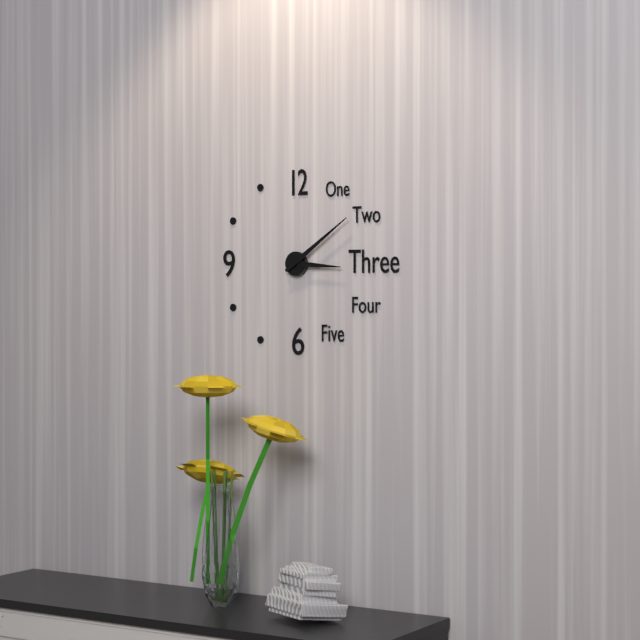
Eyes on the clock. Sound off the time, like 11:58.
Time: 3:09
